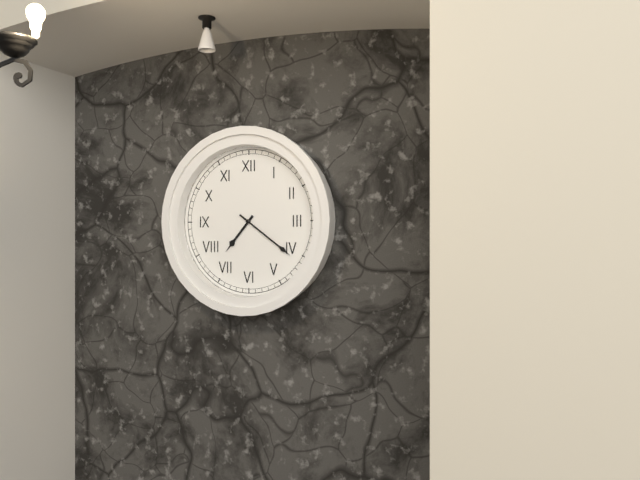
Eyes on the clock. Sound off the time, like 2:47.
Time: 7:21
